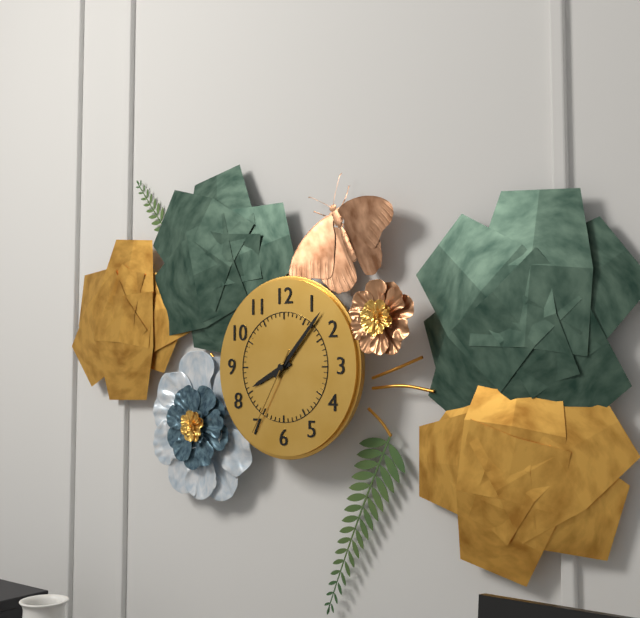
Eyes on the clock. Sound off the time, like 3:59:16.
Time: 8:07:35
